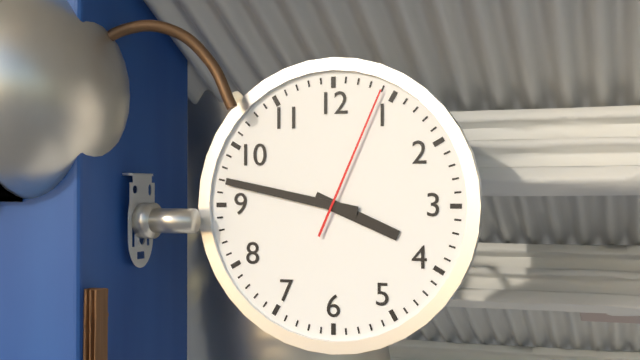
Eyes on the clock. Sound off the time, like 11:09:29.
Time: 3:47:04
